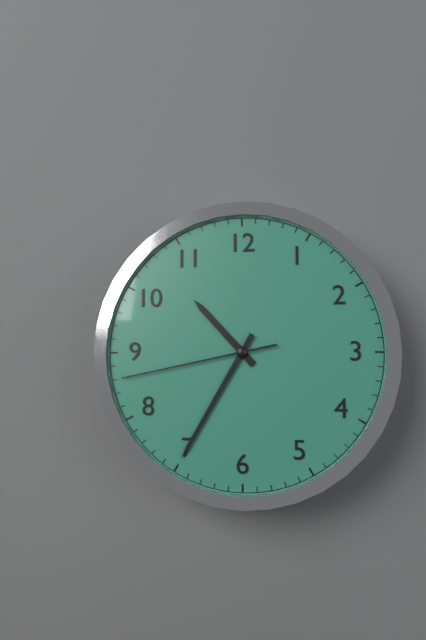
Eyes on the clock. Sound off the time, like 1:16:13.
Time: 10:35:43
